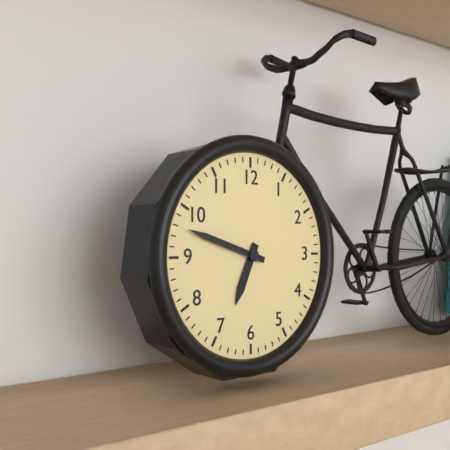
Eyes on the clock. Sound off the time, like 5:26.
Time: 6:48
